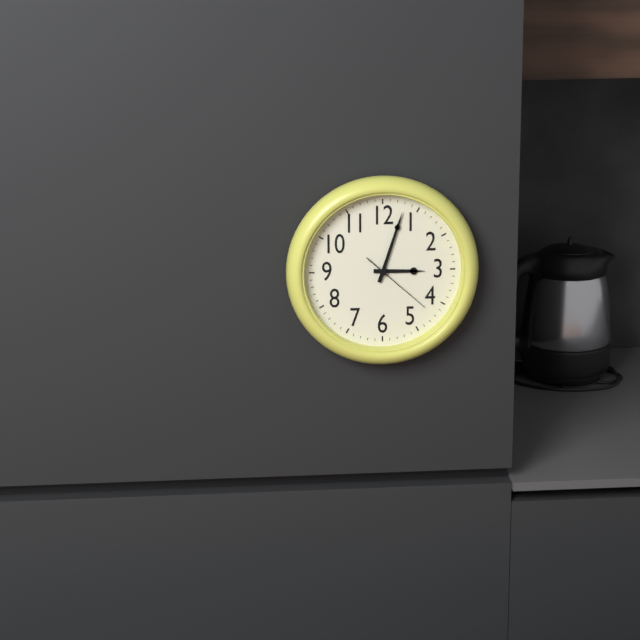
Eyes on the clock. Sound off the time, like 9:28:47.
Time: 3:03:22
